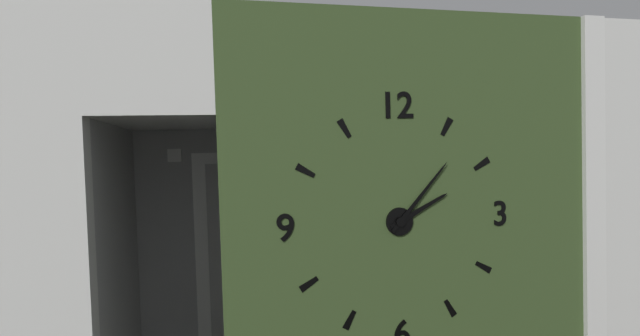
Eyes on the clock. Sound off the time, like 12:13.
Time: 2:07
